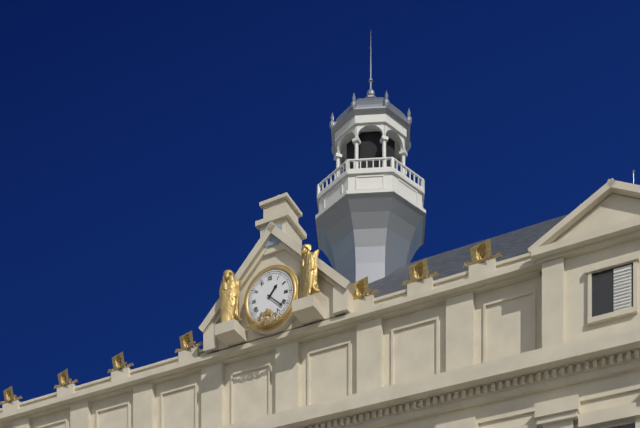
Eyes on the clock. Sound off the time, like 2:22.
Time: 1:22
